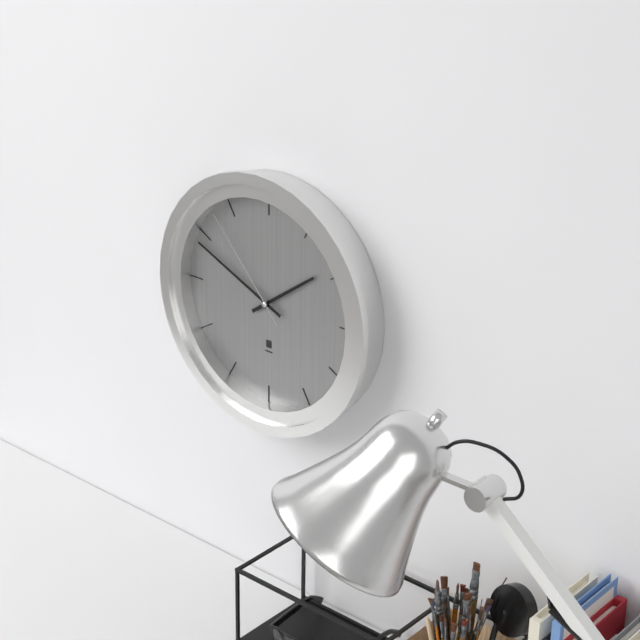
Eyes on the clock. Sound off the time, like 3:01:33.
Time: 1:49:53
